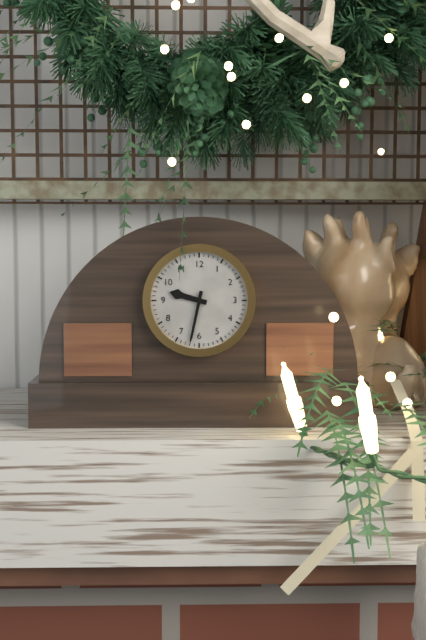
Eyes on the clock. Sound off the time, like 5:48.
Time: 9:32
